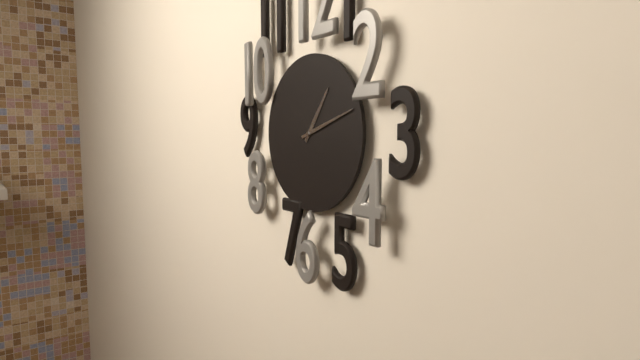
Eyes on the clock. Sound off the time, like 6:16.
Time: 1:12
